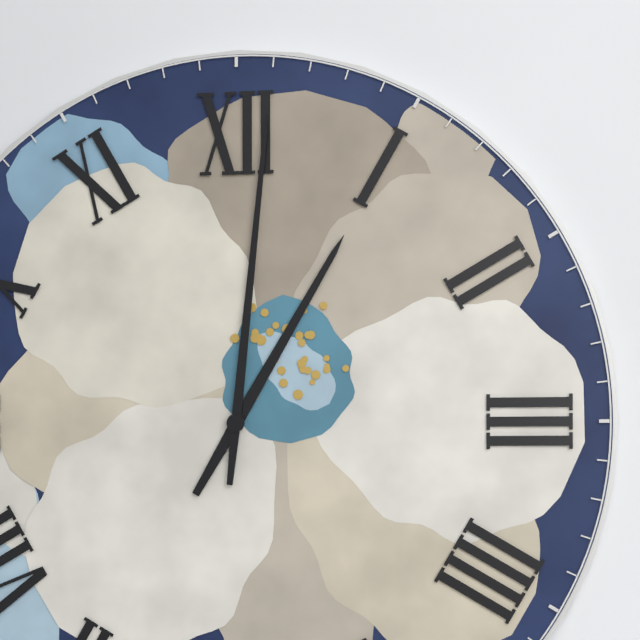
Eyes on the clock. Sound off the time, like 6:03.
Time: 1:01
